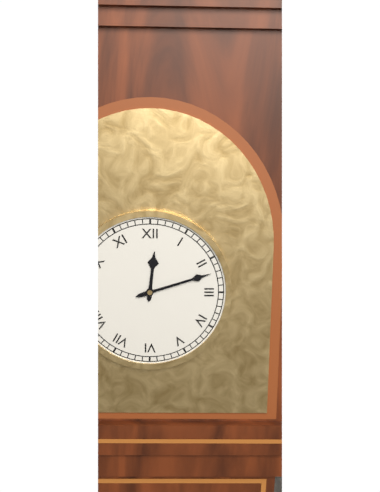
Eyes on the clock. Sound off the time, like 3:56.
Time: 12:12
